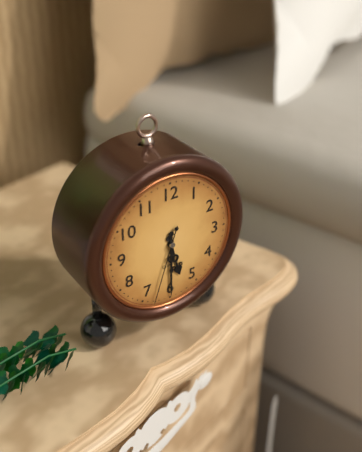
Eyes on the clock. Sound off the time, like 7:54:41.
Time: 5:30:33
